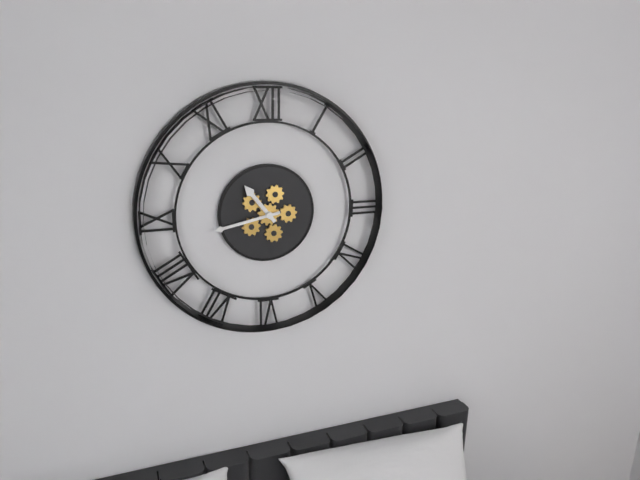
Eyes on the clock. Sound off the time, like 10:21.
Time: 10:43
